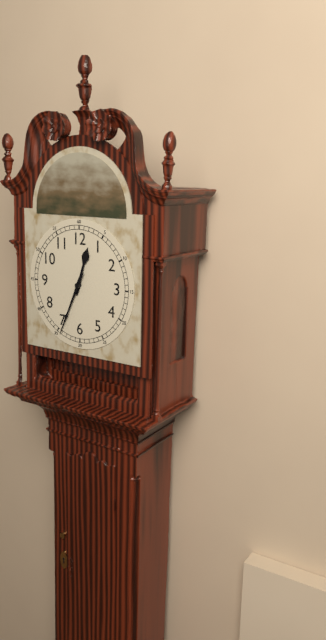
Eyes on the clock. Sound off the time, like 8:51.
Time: 12:34
